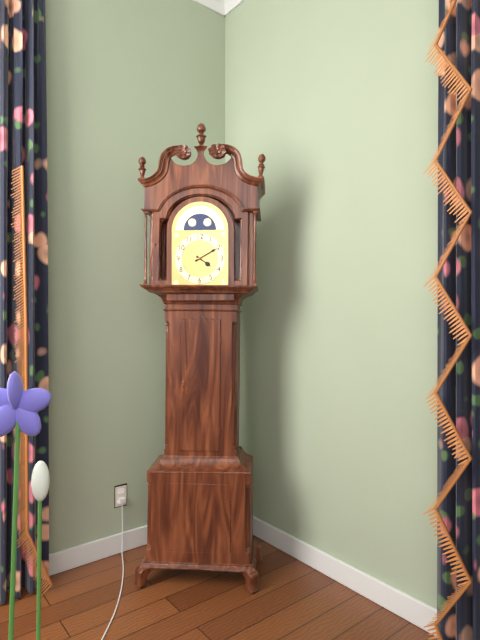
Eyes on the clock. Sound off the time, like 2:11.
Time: 4:10
